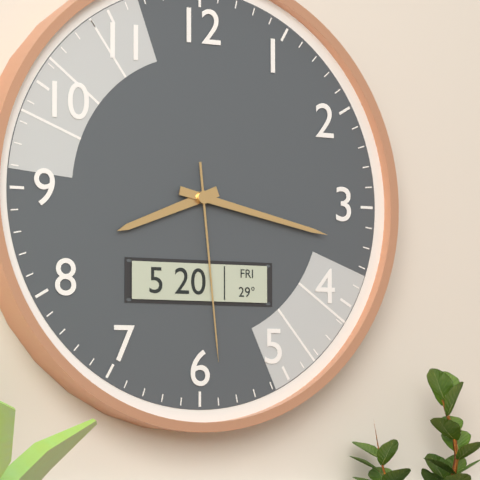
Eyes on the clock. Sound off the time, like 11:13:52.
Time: 8:17:29
